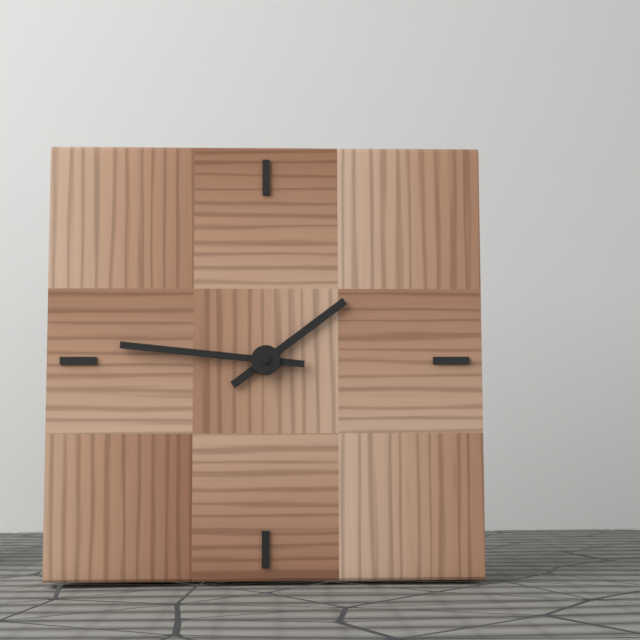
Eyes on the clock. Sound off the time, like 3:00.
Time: 1:46
